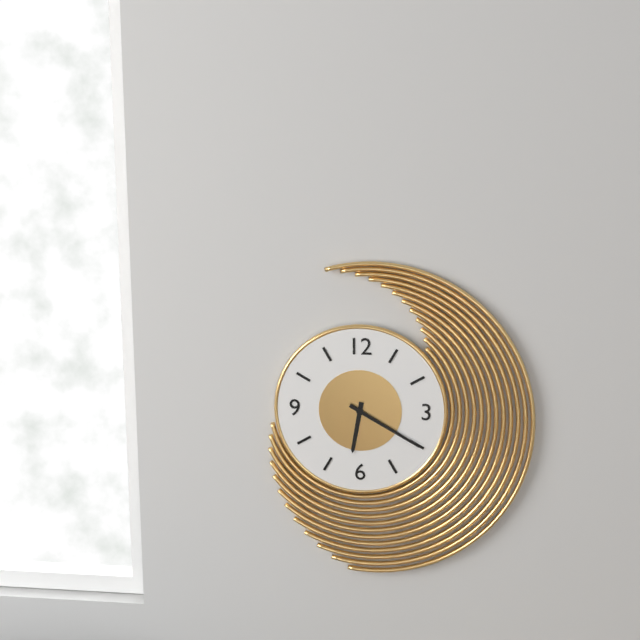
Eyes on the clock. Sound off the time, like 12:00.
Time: 6:20
